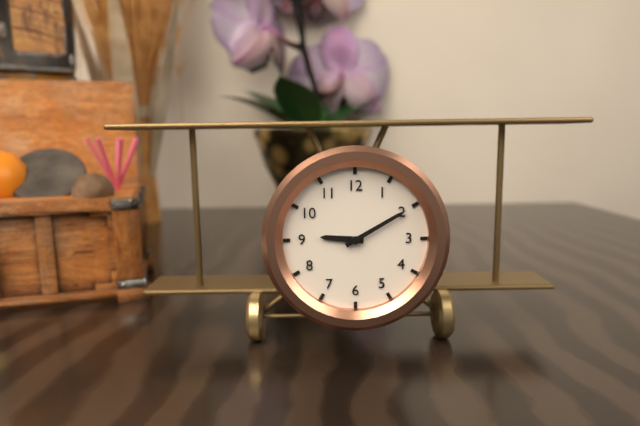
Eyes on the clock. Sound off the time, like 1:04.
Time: 9:10
